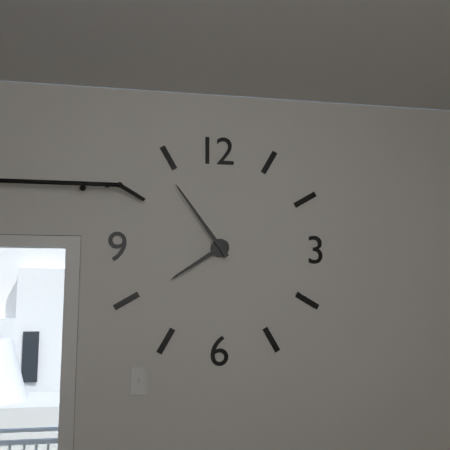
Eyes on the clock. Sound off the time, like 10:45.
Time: 7:54
